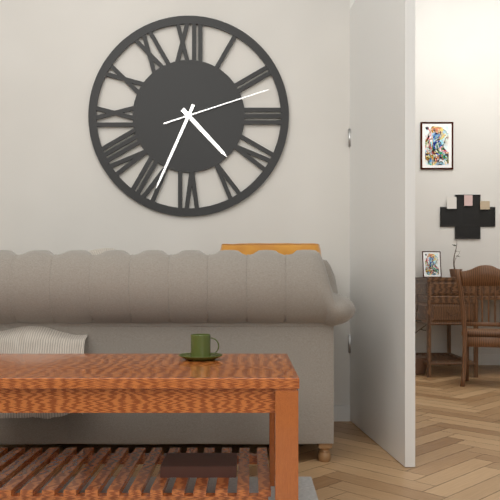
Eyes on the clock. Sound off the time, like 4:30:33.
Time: 4:34:12
